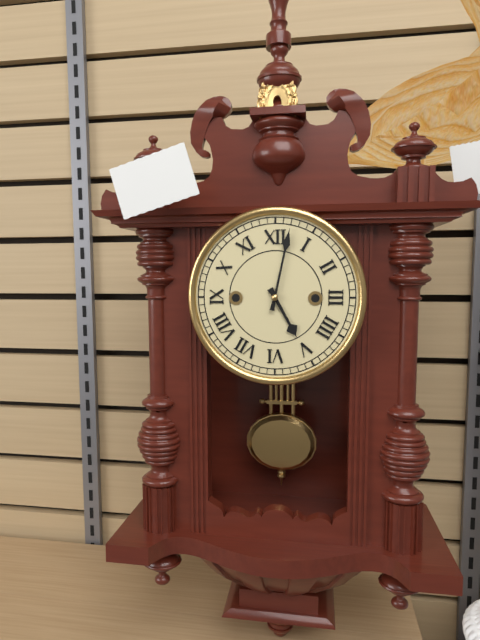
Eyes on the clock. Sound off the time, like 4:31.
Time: 5:02
